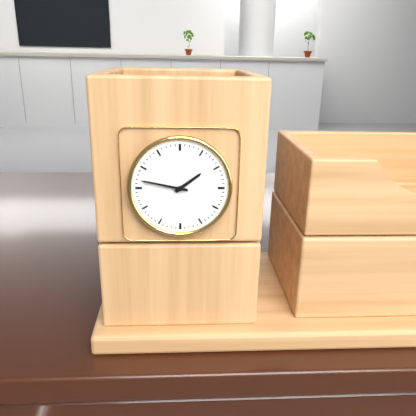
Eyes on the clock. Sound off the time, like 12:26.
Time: 1:47
